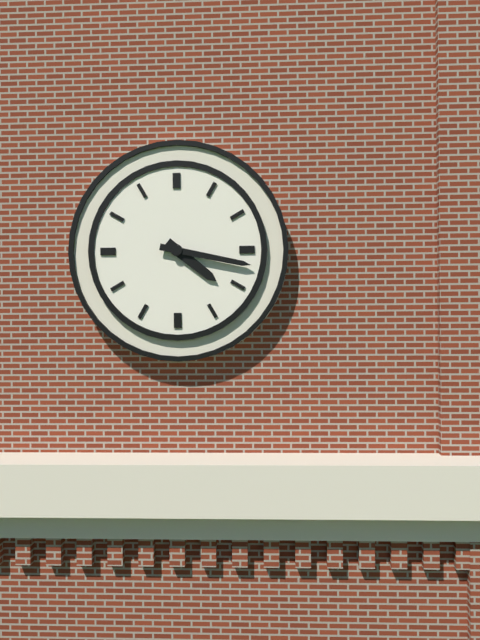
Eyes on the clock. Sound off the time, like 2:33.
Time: 4:17
